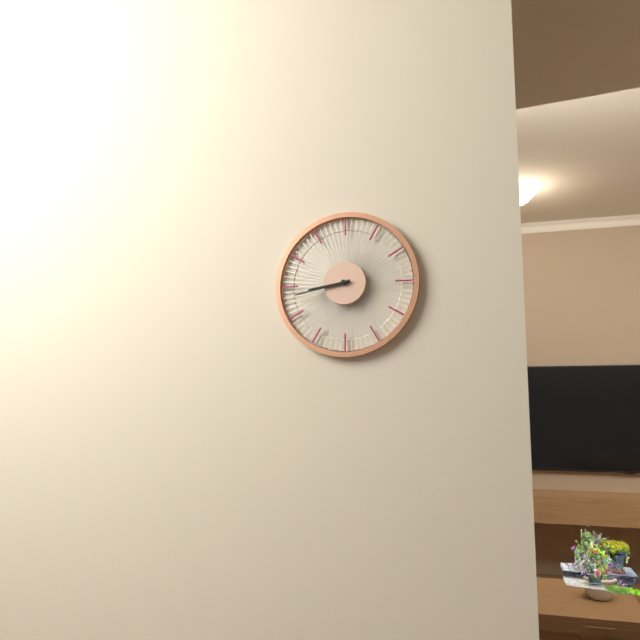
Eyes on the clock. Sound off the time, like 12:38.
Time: 8:43
